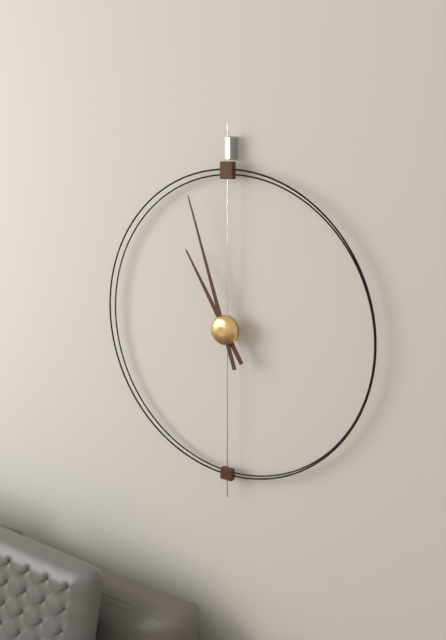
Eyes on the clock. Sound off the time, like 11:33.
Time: 10:57
